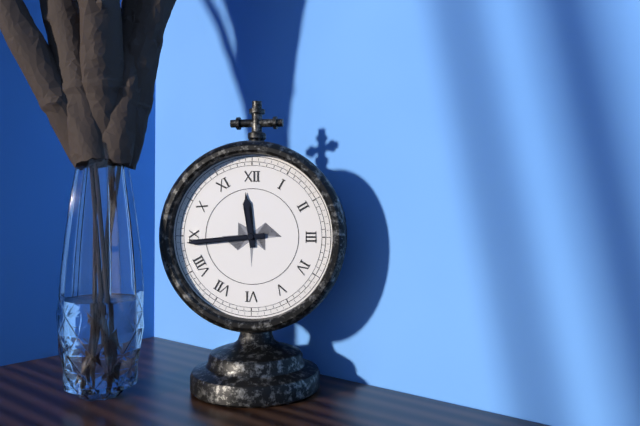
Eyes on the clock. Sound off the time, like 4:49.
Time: 11:44
